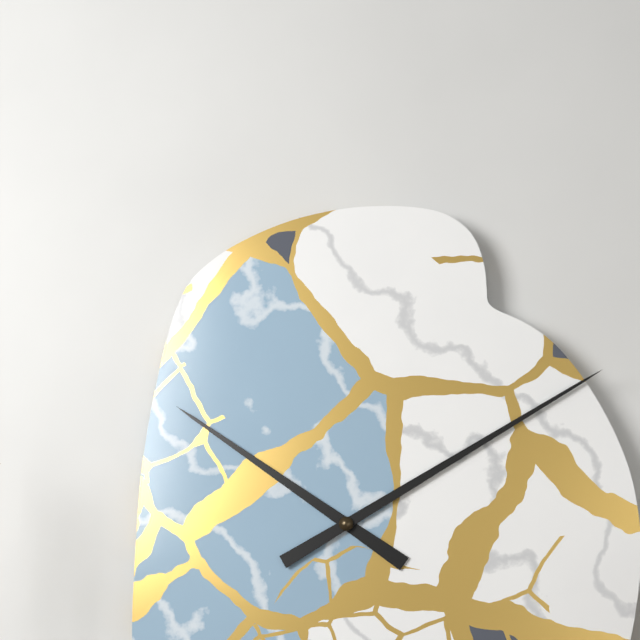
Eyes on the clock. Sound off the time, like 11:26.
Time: 10:10
